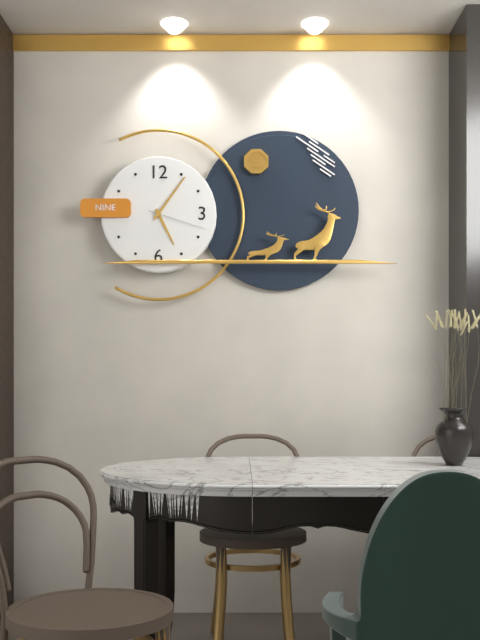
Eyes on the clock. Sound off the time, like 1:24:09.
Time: 5:06:18
